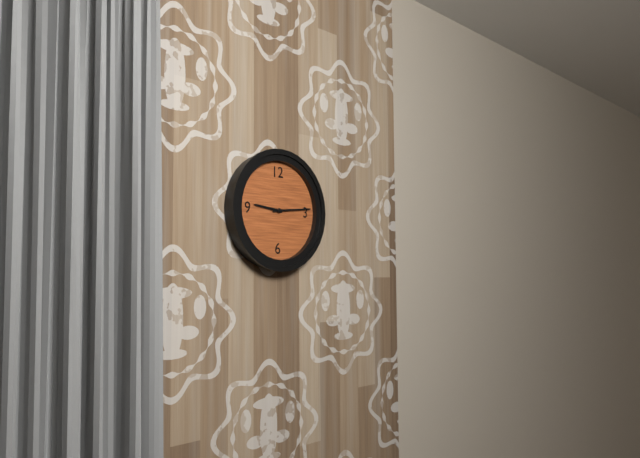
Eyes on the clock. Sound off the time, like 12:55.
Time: 9:14
